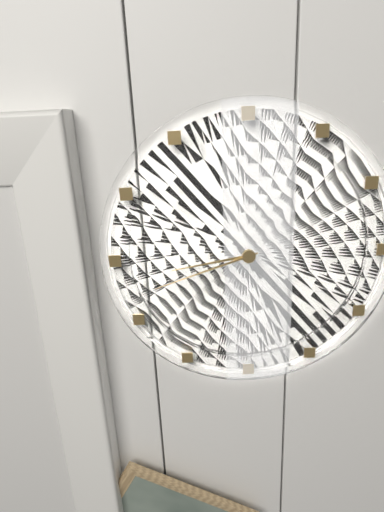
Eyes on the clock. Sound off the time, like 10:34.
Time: 8:42
